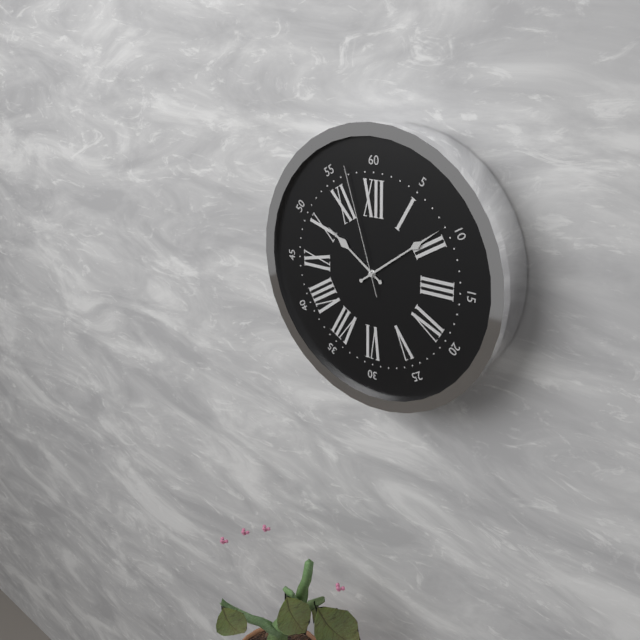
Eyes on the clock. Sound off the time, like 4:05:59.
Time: 10:09:57
